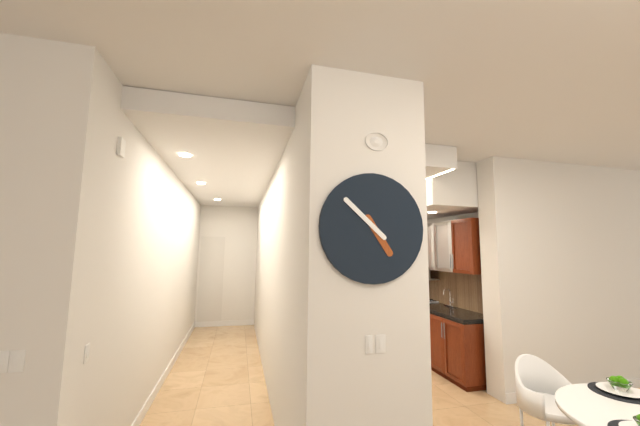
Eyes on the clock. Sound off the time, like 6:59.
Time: 4:52
